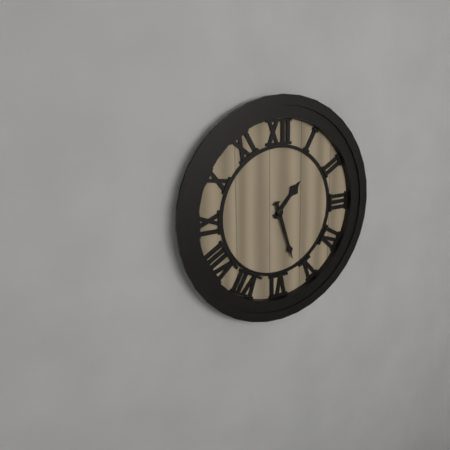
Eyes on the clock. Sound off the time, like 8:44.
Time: 1:27
